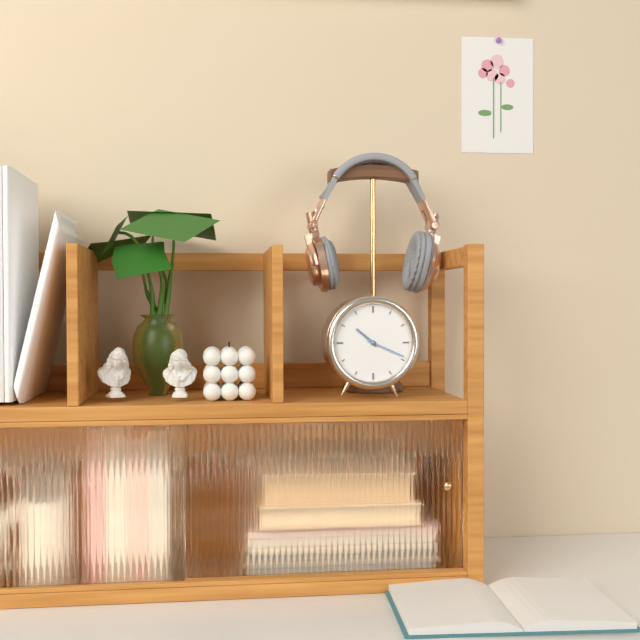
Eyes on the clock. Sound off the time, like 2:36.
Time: 10:19
